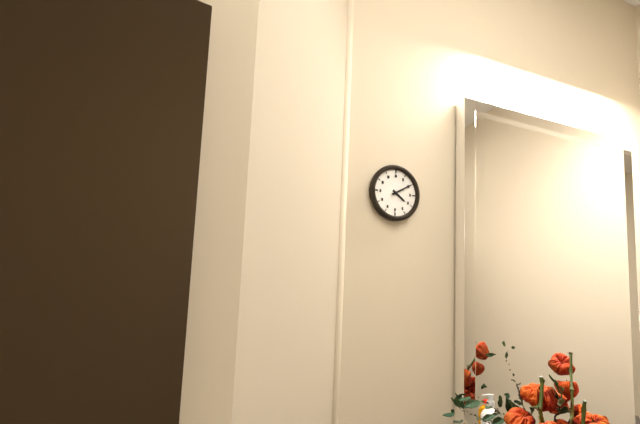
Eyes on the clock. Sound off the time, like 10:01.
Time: 4:10
